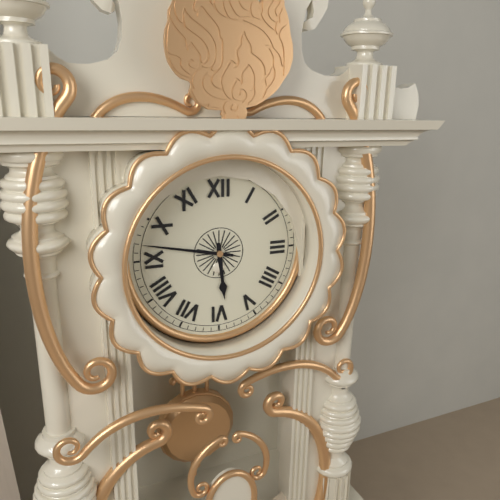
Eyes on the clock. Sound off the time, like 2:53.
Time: 5:47
